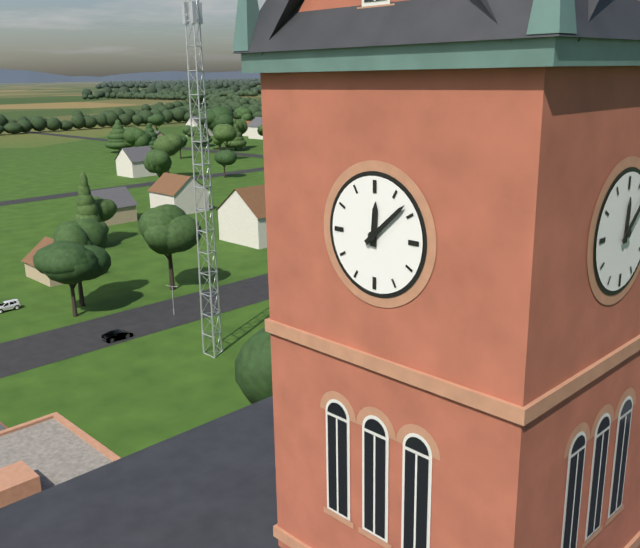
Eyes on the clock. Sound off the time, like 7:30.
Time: 12:08
